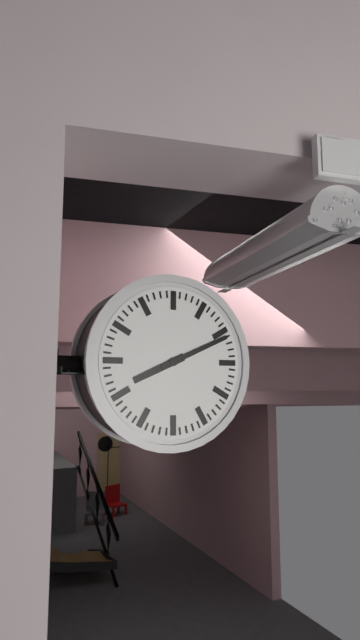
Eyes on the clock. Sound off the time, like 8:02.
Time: 8:11
